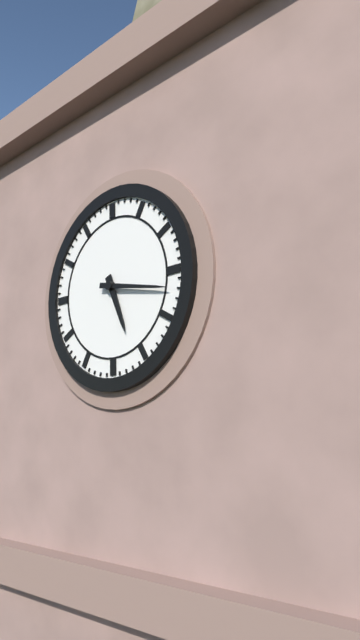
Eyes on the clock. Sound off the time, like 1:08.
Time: 5:17
